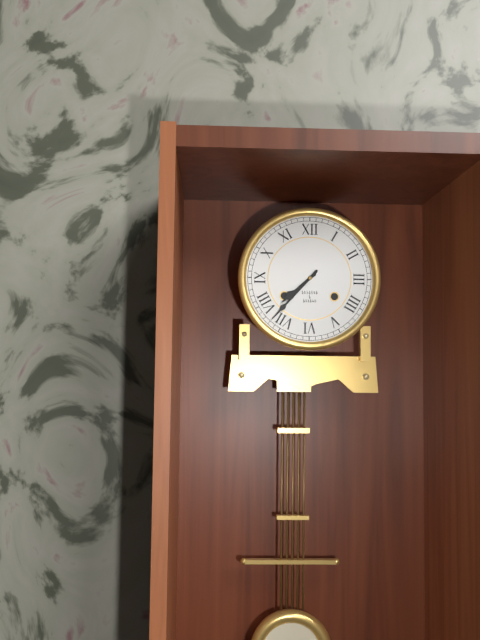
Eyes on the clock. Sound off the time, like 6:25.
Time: 7:37
